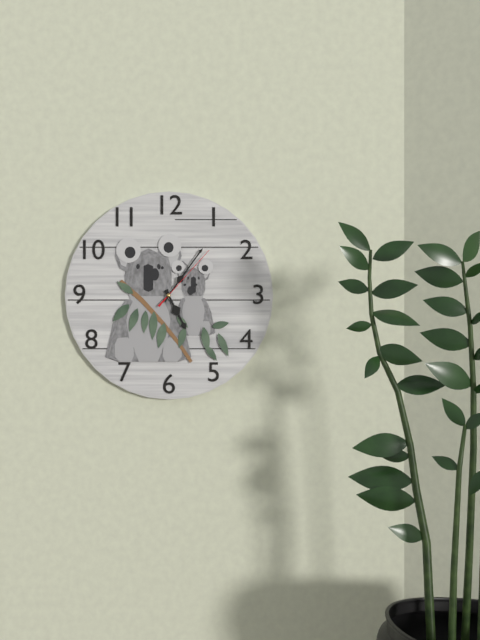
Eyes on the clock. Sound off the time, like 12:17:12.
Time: 5:06:07
